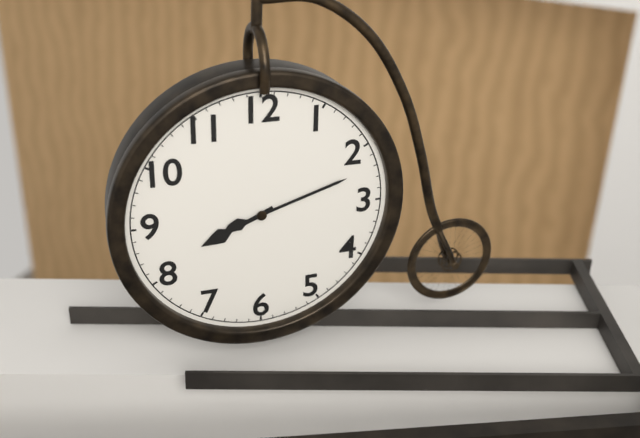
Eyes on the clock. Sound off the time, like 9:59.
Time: 8:12
